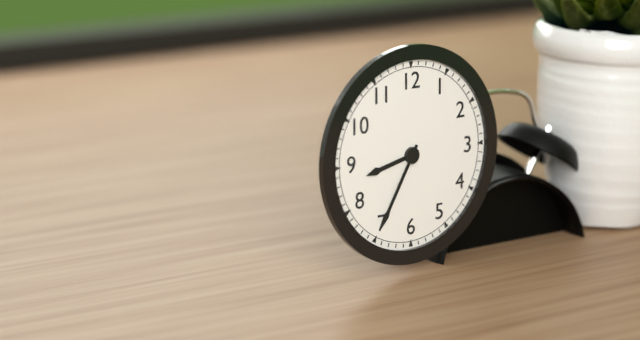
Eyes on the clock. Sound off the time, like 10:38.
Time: 8:35
